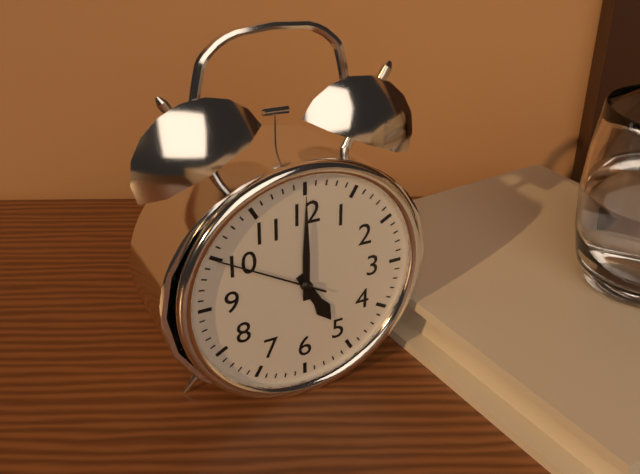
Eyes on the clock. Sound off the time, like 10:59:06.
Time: 5:00:50
